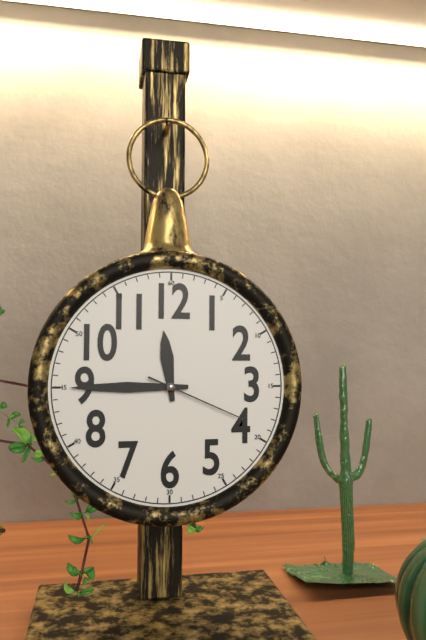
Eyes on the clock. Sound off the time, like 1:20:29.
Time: 11:45:19
